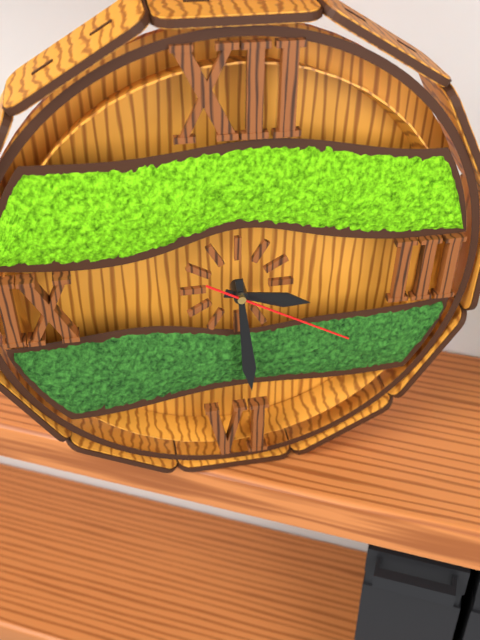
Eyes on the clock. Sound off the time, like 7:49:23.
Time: 3:29:20
